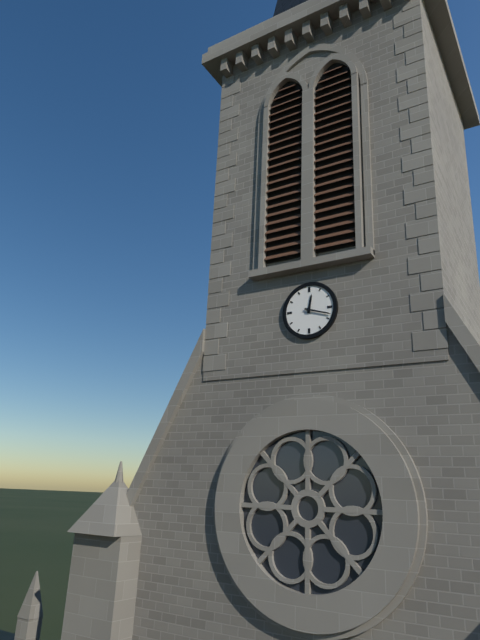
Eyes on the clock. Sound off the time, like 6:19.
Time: 12:18
